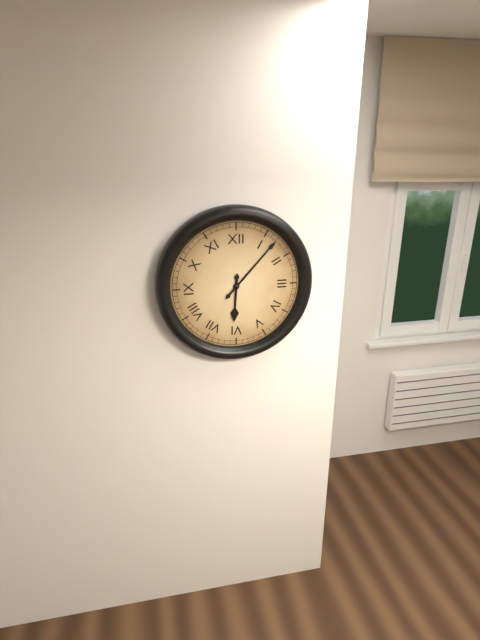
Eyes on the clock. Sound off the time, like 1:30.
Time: 6:07
